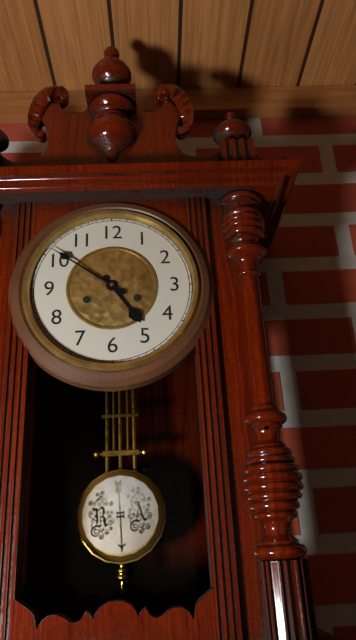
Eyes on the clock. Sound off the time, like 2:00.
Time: 4:51
